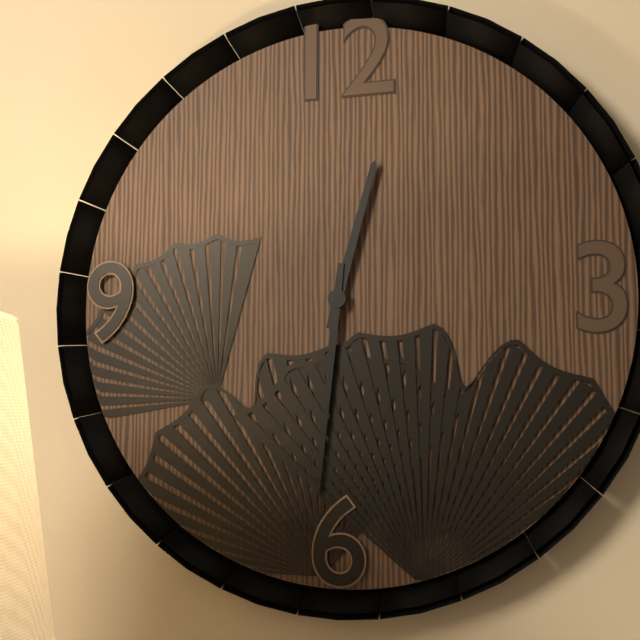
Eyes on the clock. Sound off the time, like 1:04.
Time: 12:31
